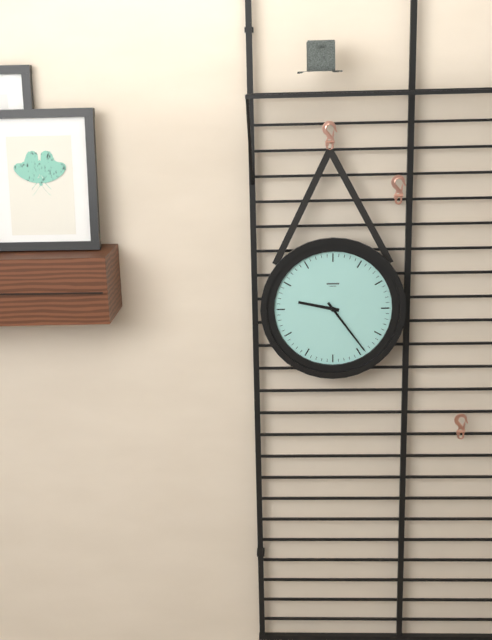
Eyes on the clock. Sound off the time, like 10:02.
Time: 9:24
